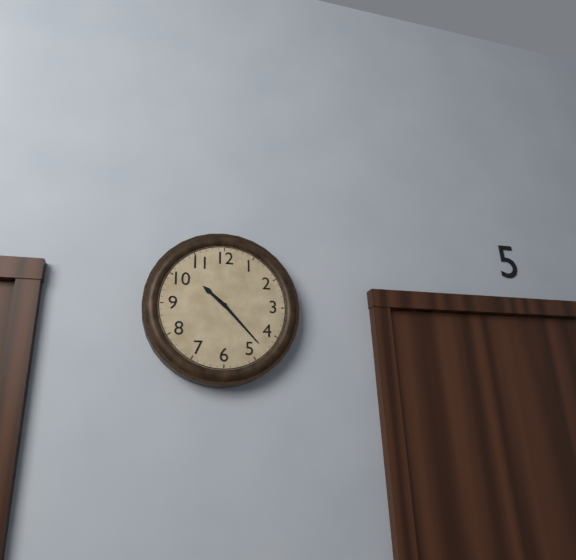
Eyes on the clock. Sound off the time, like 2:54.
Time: 10:23
